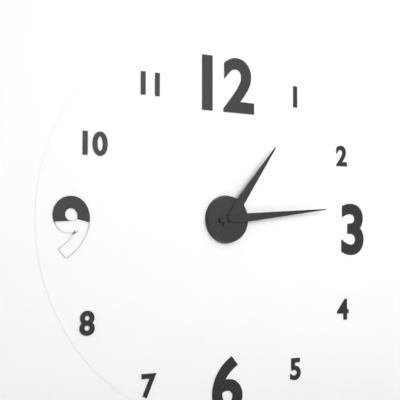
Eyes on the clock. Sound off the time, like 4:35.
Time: 1:14
